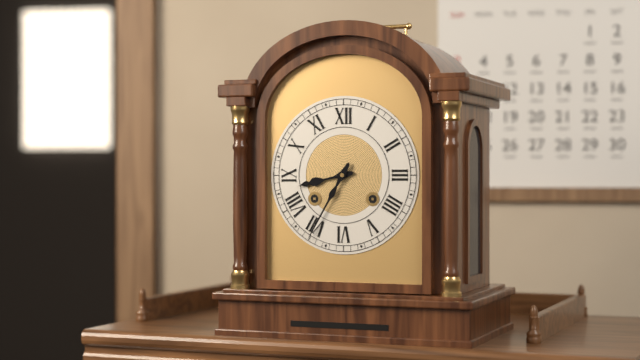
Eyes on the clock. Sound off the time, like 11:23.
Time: 8:35
